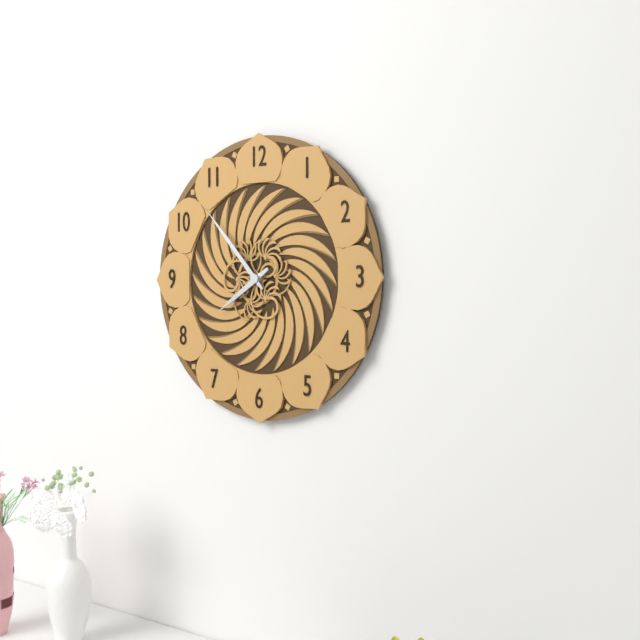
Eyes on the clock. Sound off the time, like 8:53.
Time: 7:53
